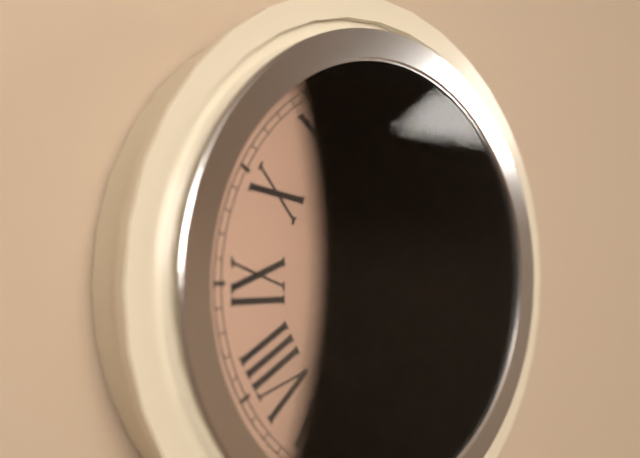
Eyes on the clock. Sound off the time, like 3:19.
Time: 12:30
